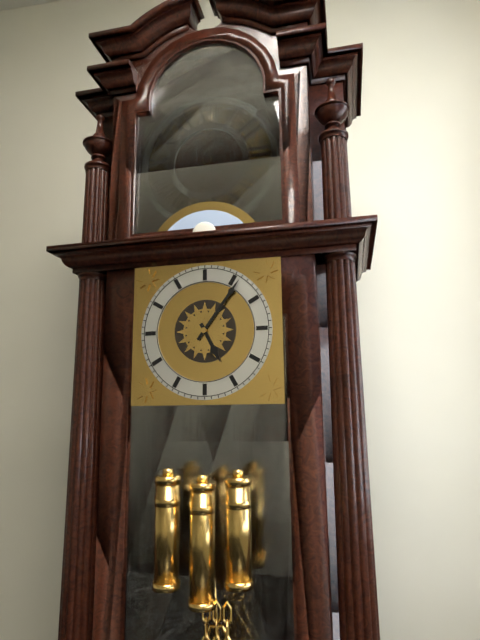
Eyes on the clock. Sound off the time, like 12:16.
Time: 5:06
